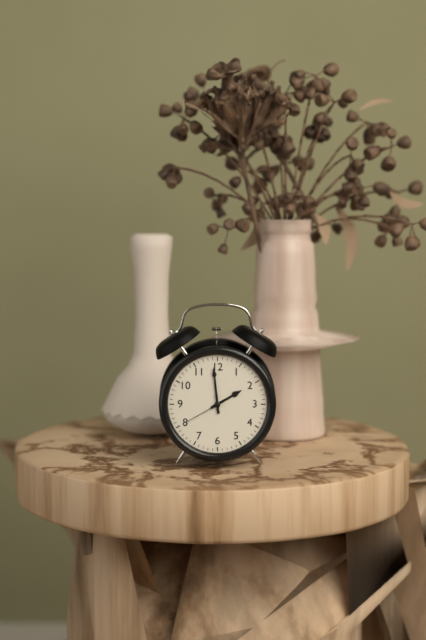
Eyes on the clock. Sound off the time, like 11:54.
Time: 1:59
